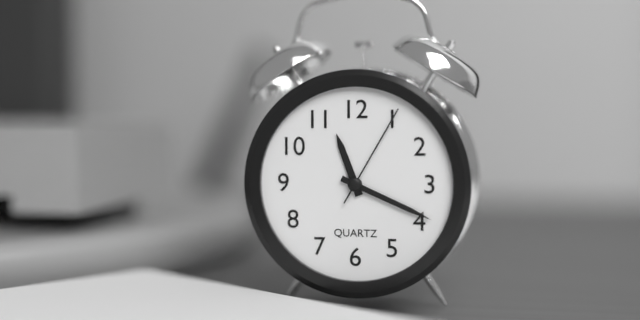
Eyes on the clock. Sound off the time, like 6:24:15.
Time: 11:19:05
